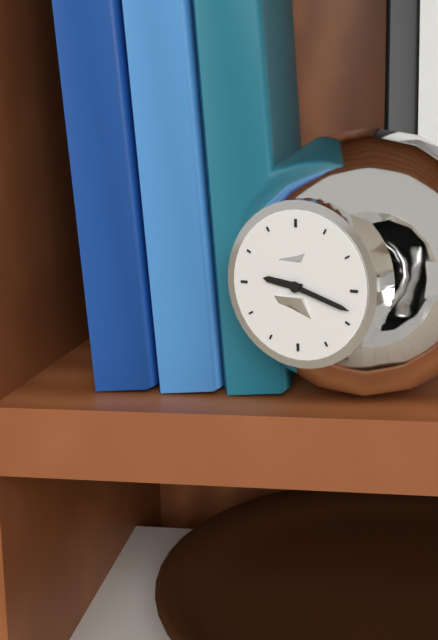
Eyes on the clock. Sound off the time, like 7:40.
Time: 9:18
